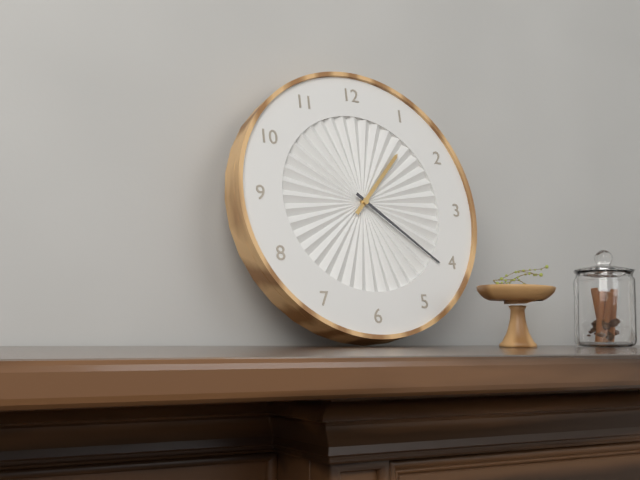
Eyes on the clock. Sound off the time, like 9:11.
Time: 1:21
